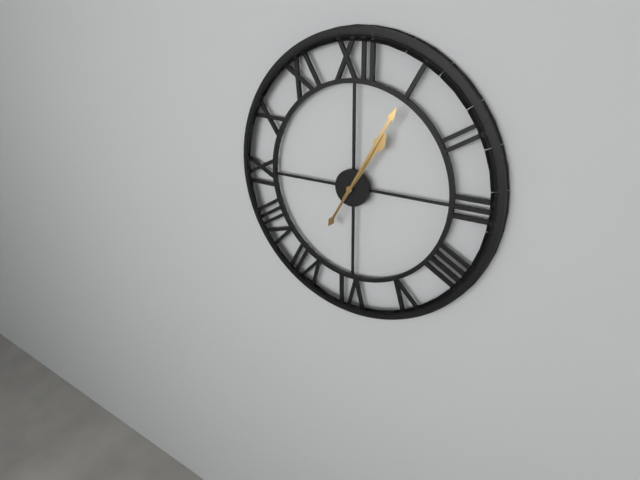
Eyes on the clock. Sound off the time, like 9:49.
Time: 1:05
